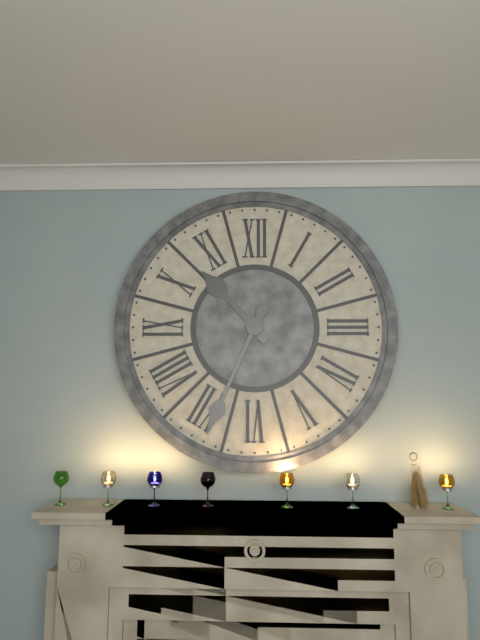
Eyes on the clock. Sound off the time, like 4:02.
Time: 10:34
